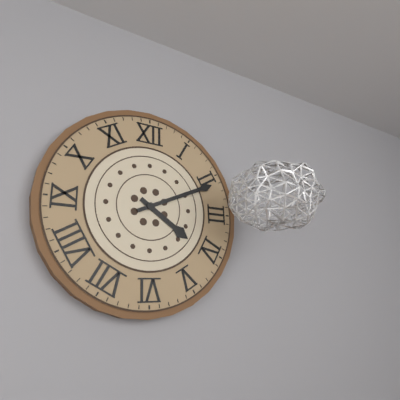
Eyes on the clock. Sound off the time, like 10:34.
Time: 4:11
